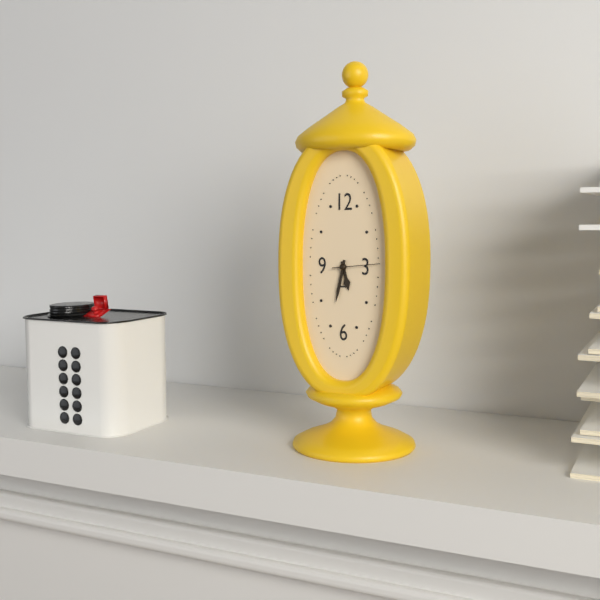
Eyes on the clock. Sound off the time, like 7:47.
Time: 5:32
